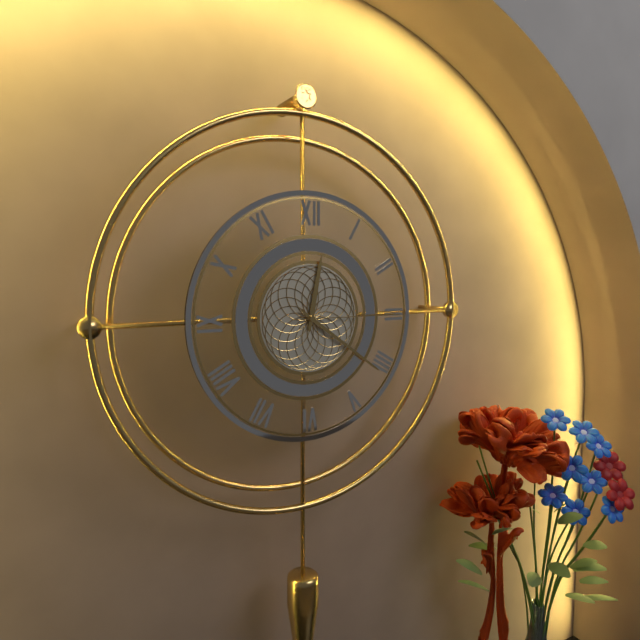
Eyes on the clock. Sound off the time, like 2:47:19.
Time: 12:21:15
